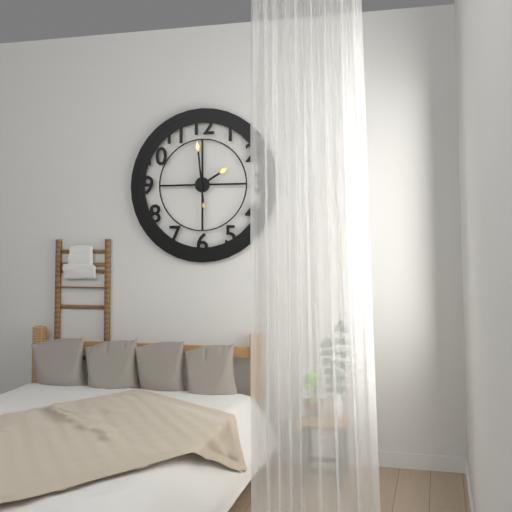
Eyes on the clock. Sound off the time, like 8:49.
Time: 1:59
